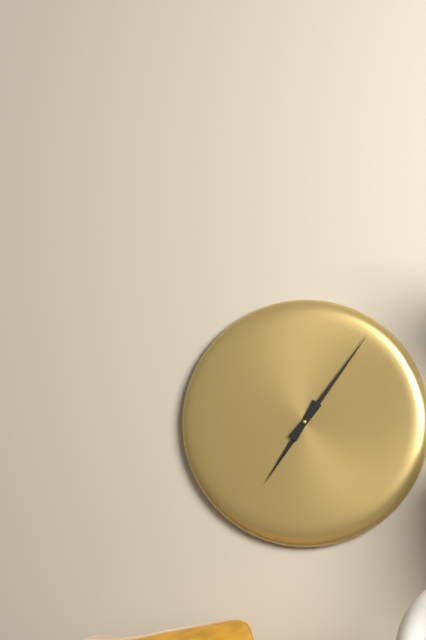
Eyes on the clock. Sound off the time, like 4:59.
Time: 7:06
